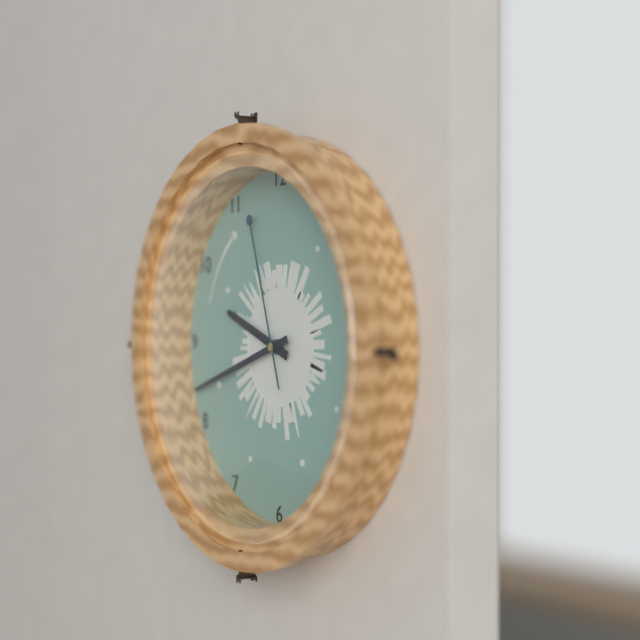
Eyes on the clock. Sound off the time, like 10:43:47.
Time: 9:42:57
